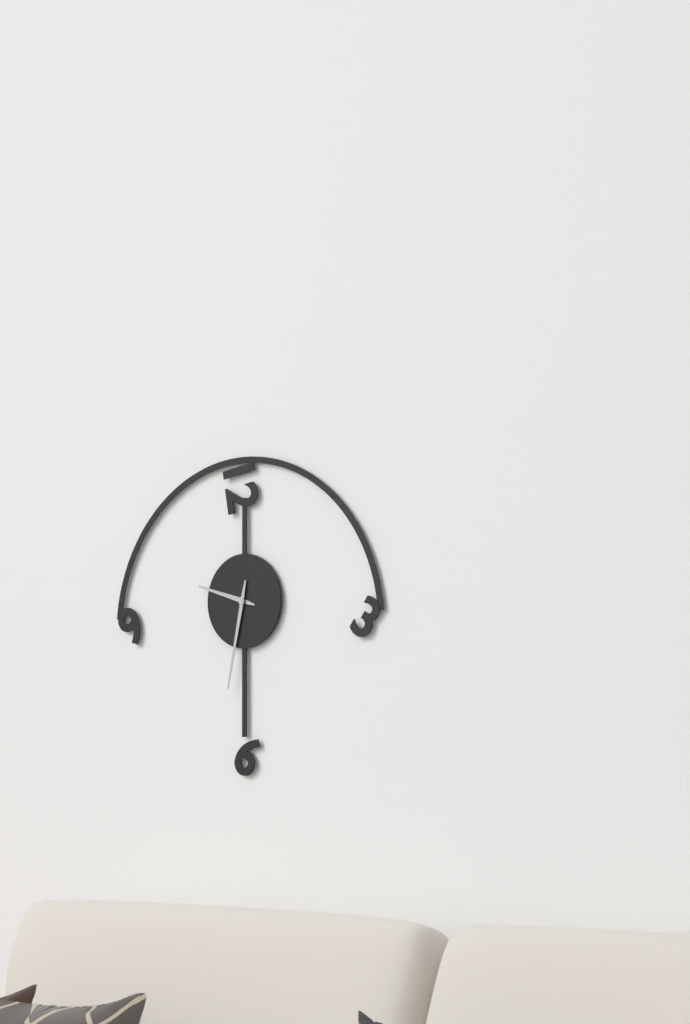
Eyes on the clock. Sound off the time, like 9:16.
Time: 9:32
